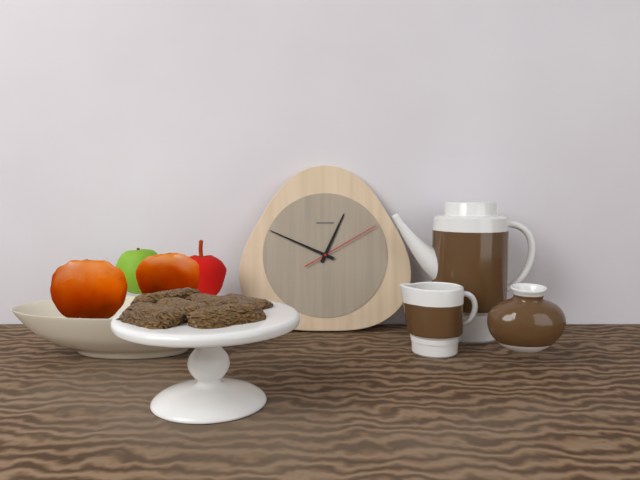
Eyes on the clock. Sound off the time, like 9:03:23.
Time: 12:49:10
